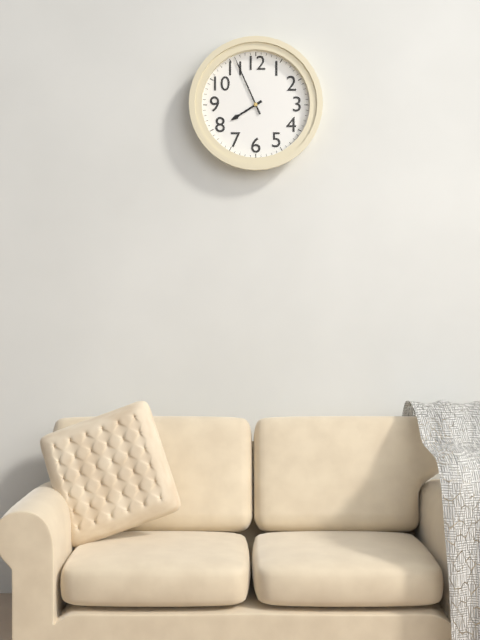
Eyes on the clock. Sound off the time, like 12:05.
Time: 7:56
